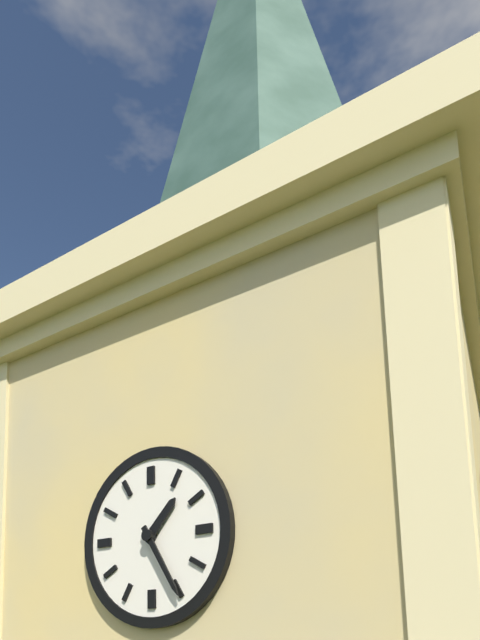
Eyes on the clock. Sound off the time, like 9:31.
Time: 1:25
